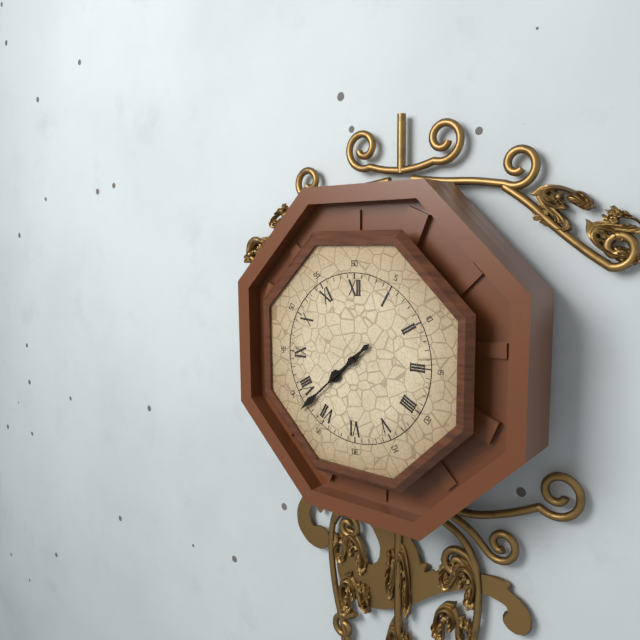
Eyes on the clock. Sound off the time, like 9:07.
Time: 7:38
